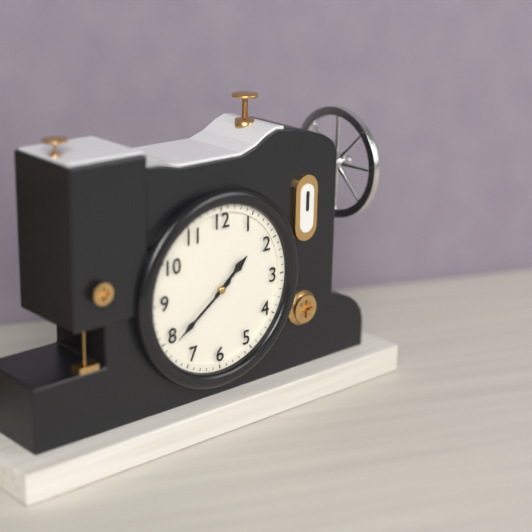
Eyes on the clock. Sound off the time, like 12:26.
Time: 1:39
